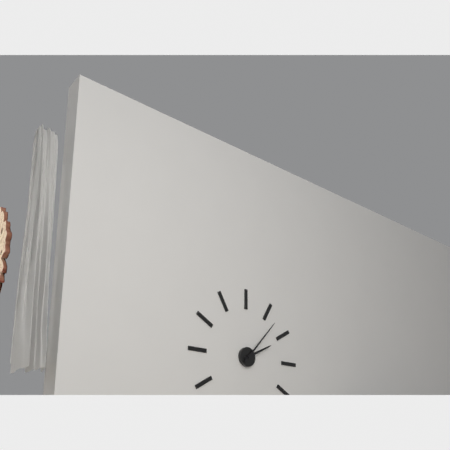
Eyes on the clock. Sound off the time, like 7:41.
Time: 2:07
